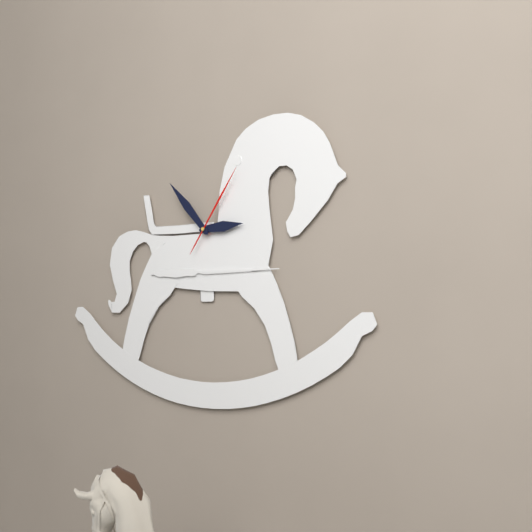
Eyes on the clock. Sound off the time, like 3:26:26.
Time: 2:53:06
